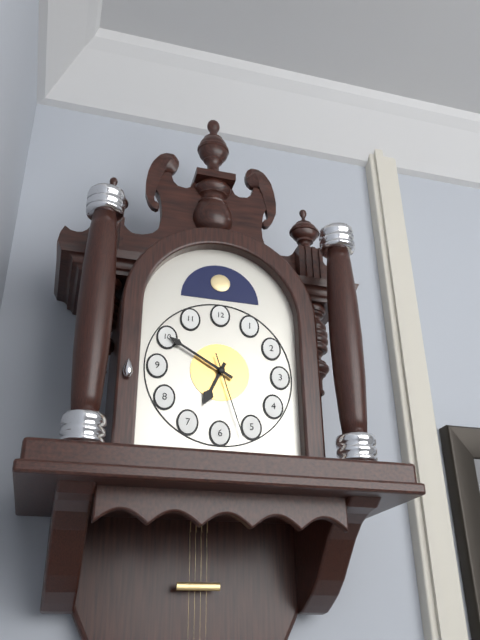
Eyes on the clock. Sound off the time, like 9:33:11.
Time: 6:50:27
